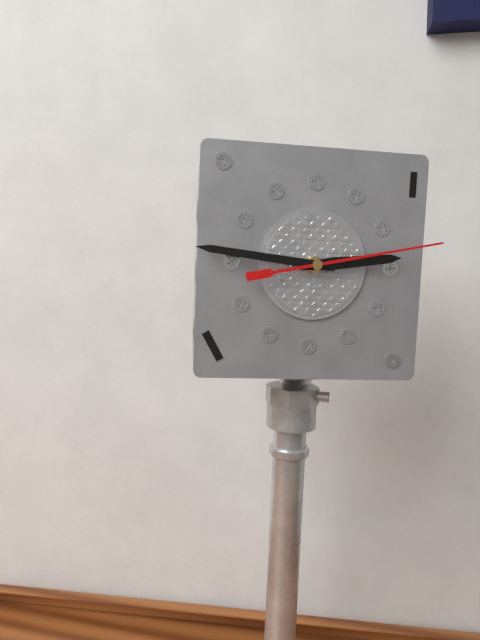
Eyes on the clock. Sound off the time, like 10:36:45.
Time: 2:46:13
